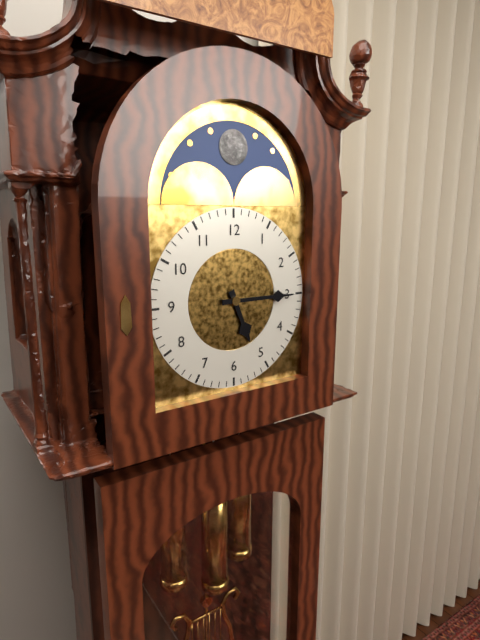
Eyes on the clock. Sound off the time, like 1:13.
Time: 5:15
